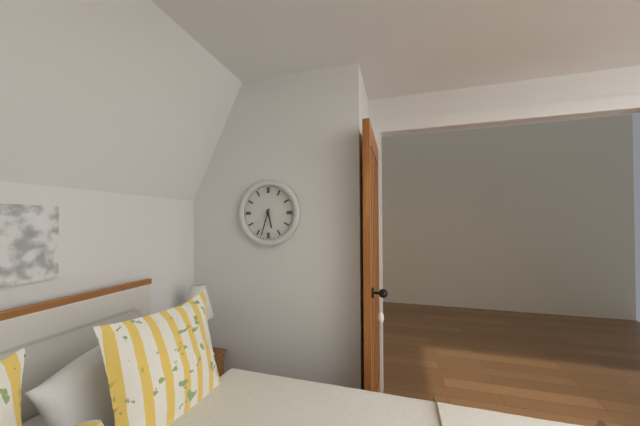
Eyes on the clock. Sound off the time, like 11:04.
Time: 5:33
